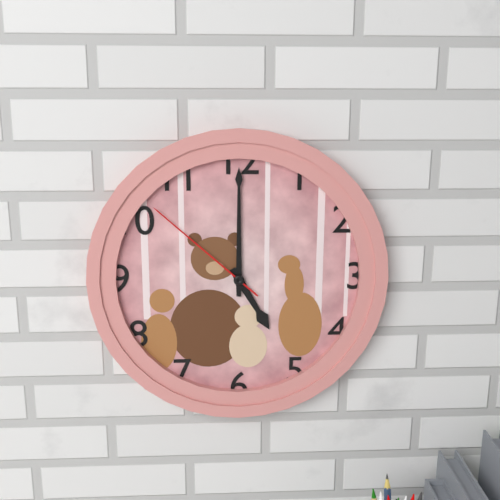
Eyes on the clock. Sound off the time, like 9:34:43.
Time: 5:00:52
